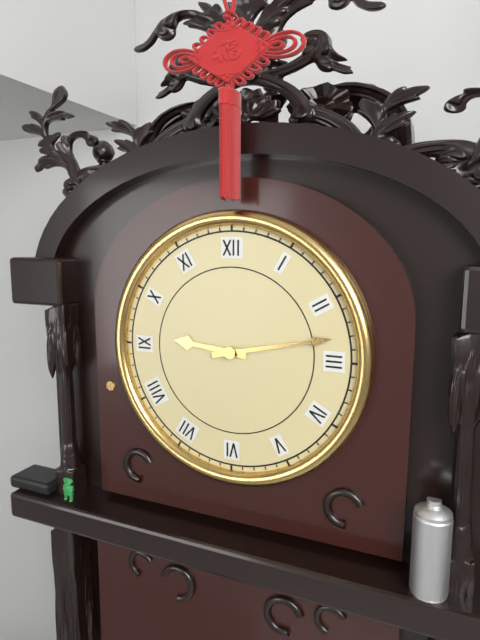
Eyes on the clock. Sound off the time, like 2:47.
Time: 9:13
